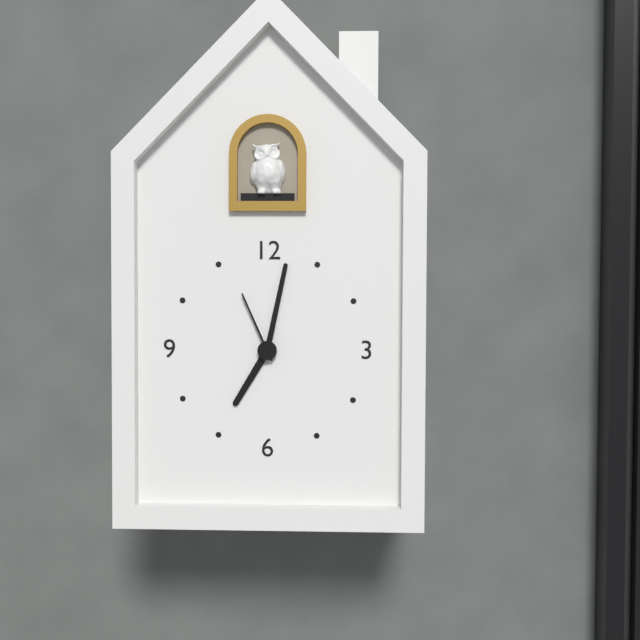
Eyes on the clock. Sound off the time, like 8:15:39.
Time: 7:02:56
